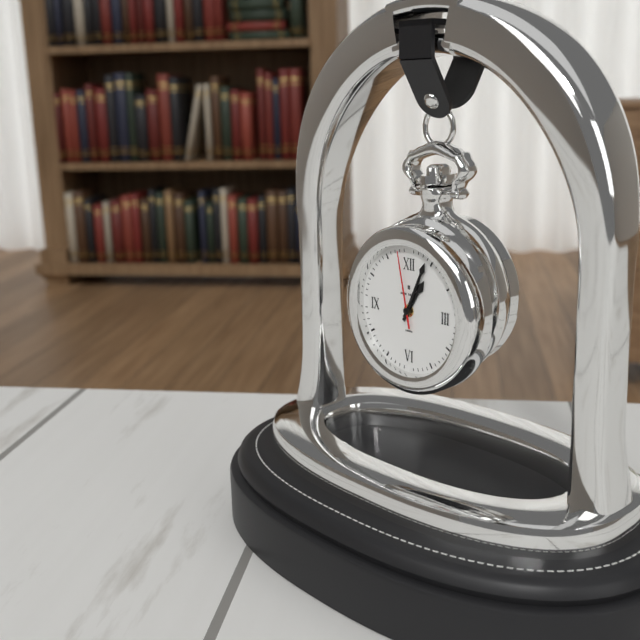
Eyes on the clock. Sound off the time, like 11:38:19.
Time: 1:04:58
